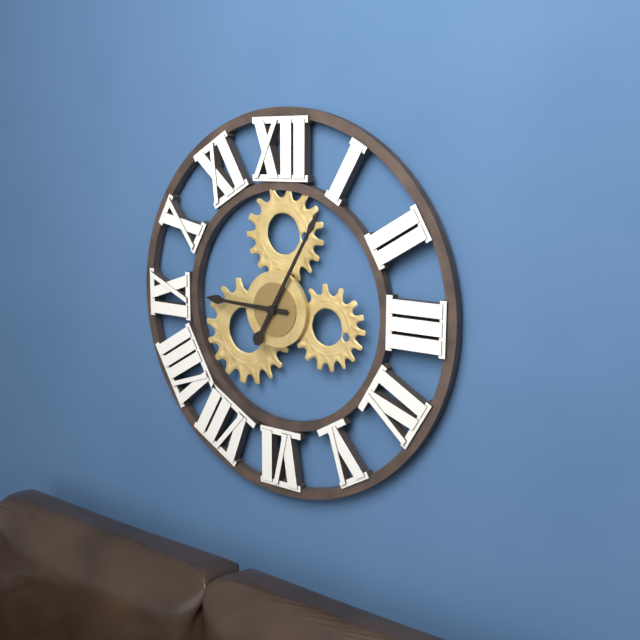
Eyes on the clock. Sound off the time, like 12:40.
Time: 9:05
